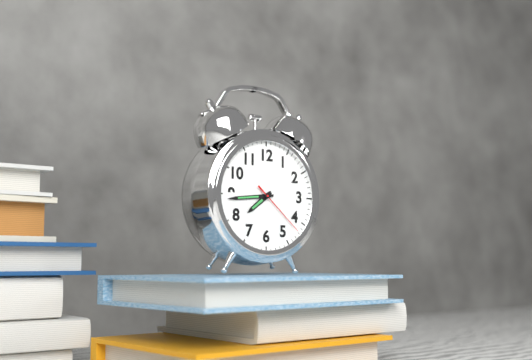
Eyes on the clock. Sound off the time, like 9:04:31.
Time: 7:44:22
